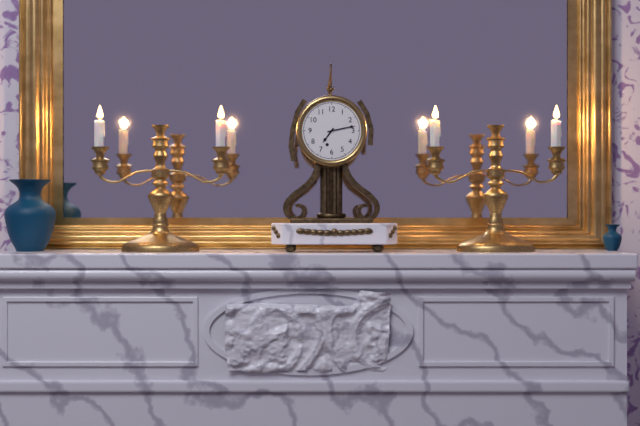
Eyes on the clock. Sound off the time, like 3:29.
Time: 7:13
